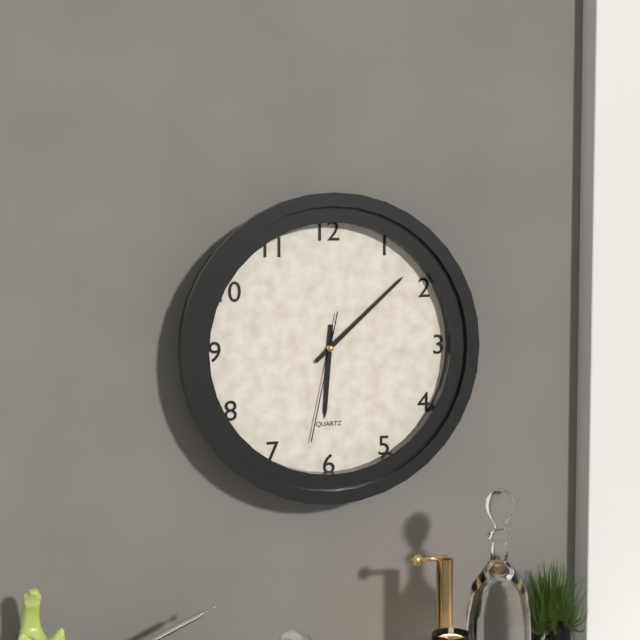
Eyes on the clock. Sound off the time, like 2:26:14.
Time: 6:08:32
